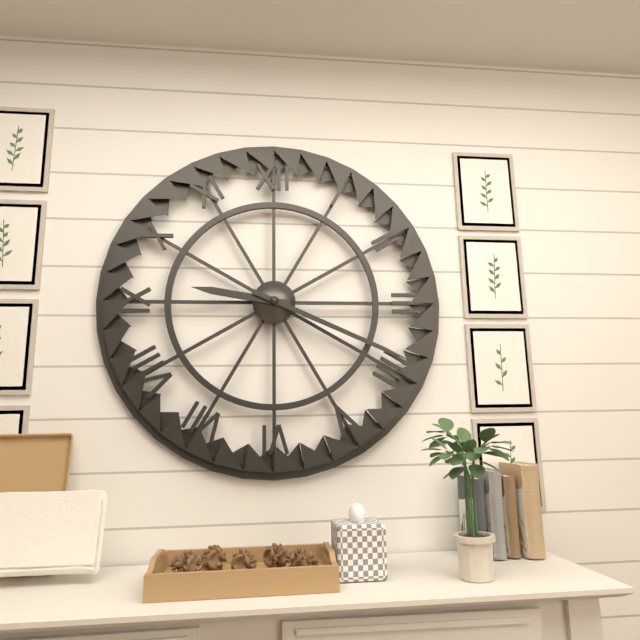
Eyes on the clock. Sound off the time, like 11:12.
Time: 9:19
